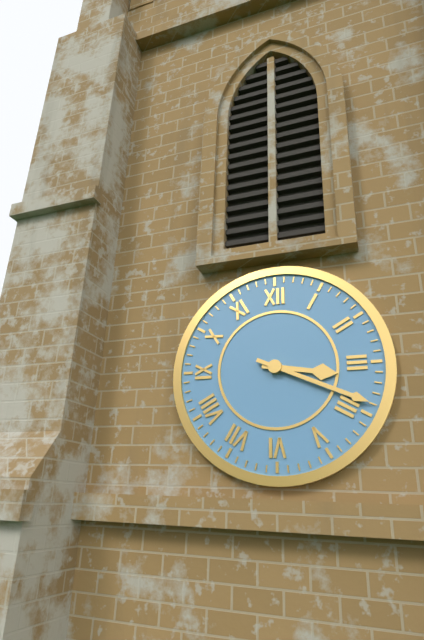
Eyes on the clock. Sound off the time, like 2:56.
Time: 3:19
